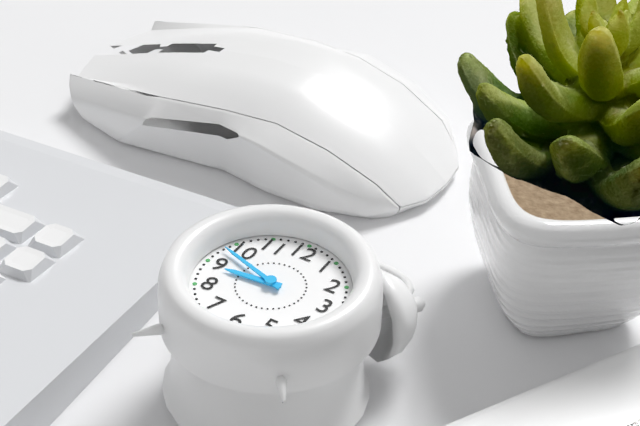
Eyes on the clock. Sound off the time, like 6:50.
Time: 8:48
